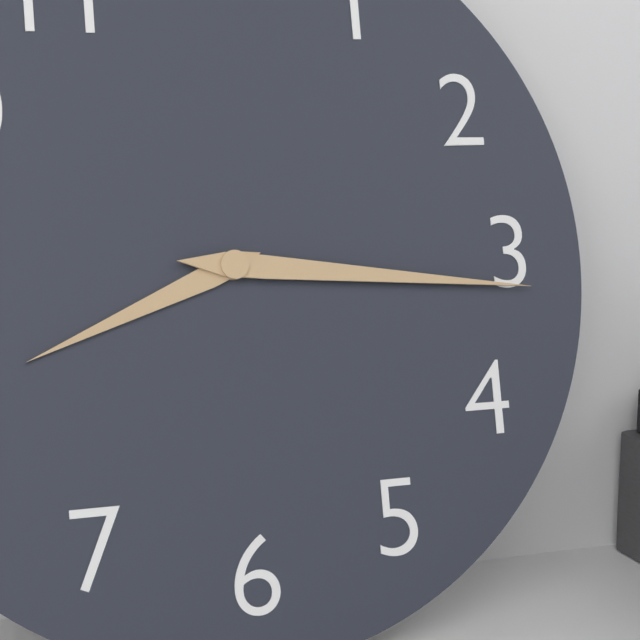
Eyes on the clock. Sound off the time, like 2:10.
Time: 8:16
